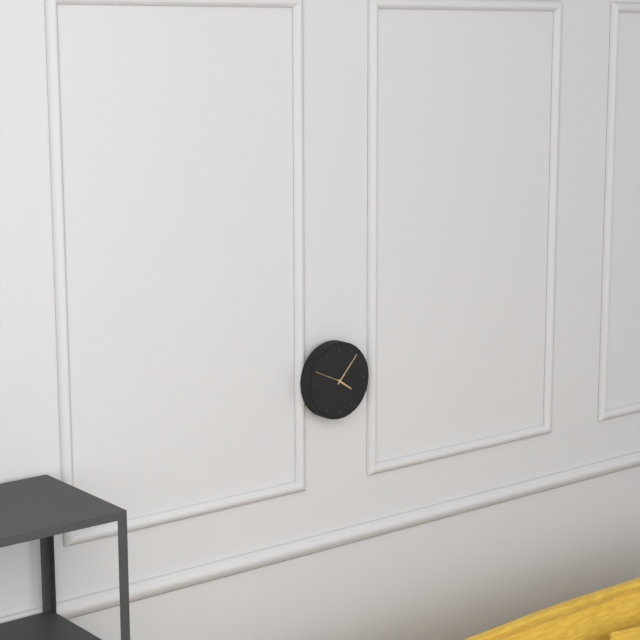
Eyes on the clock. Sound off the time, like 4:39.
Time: 4:07
